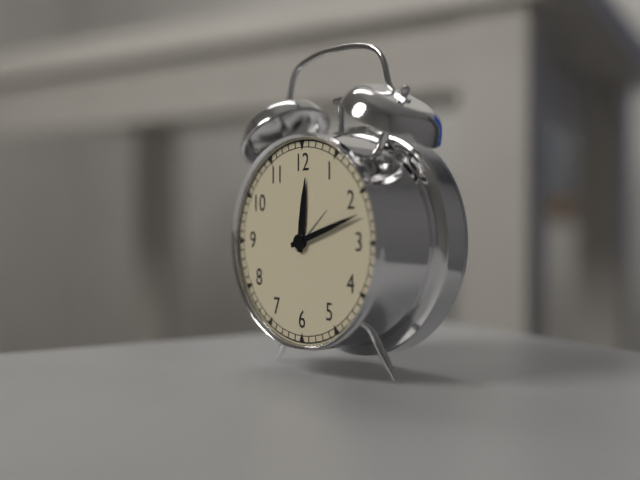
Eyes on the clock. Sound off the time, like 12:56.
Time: 12:12
